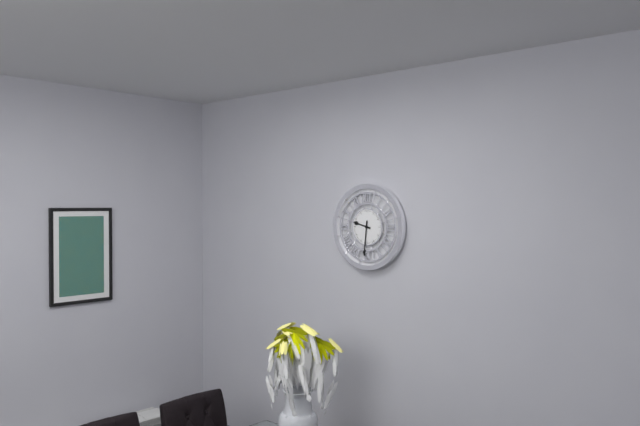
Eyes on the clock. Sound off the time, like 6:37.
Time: 9:31
